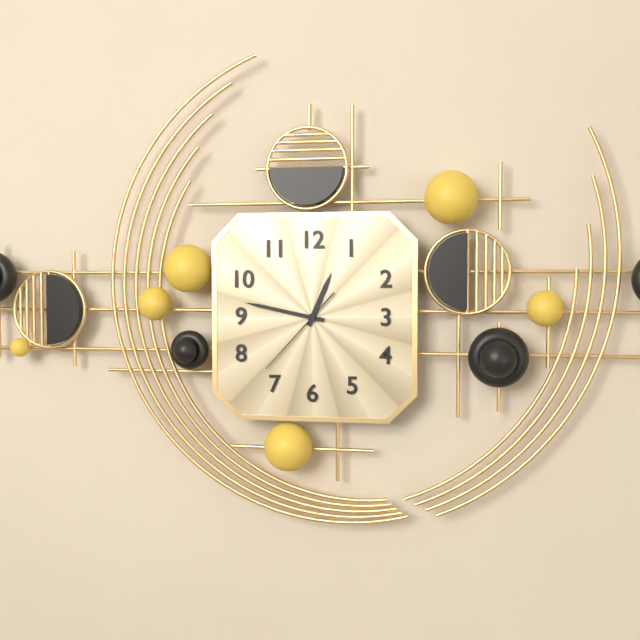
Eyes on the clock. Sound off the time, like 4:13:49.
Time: 12:47:37
